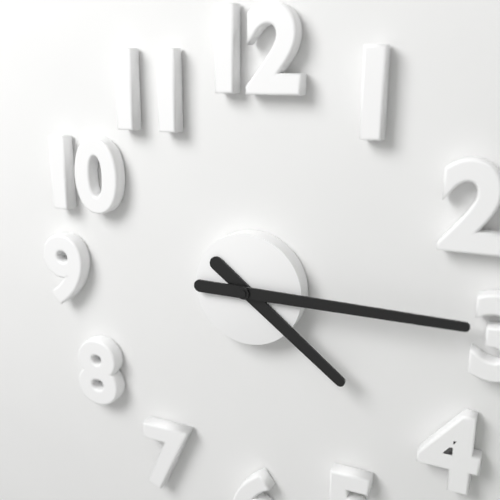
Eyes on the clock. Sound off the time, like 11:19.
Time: 4:15
